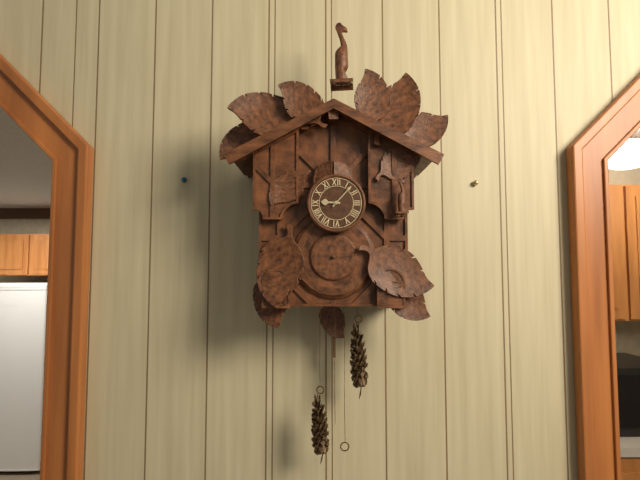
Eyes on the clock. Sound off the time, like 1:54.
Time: 9:07
